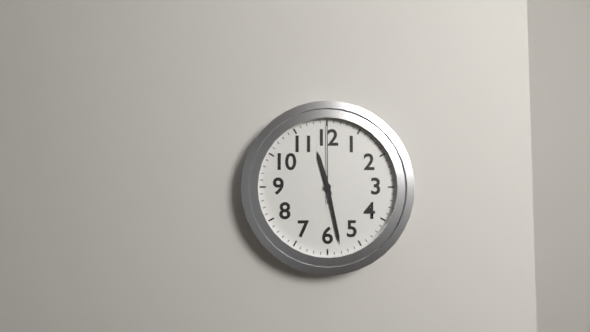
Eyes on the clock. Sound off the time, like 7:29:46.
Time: 11:28:00
